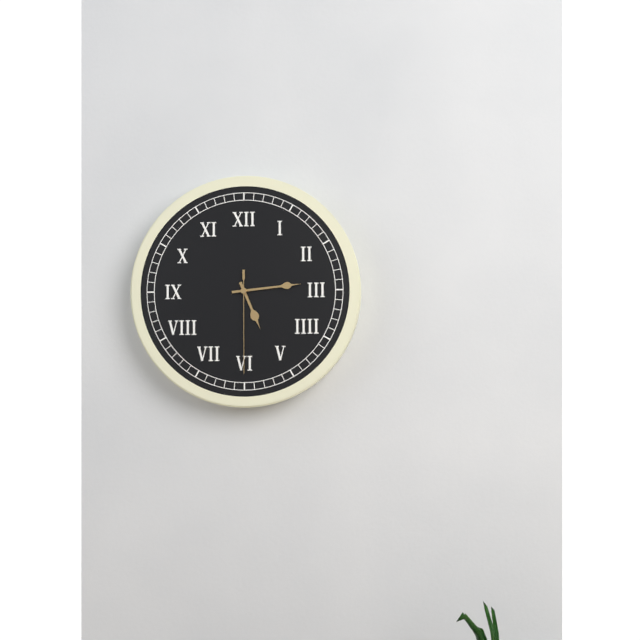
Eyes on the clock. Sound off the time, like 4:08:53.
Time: 5:14:30
